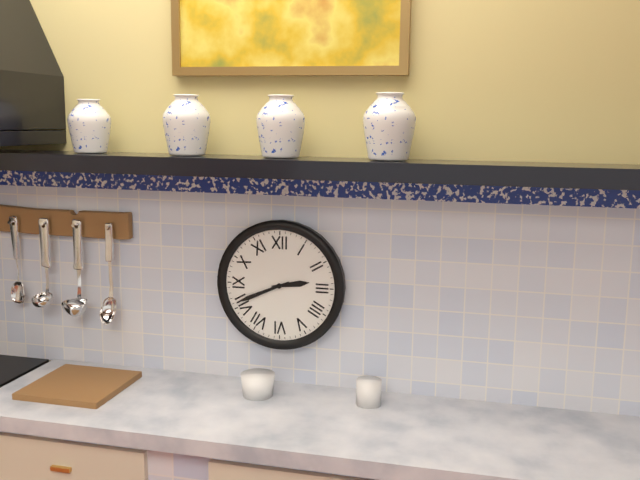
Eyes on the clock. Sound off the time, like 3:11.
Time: 2:41
